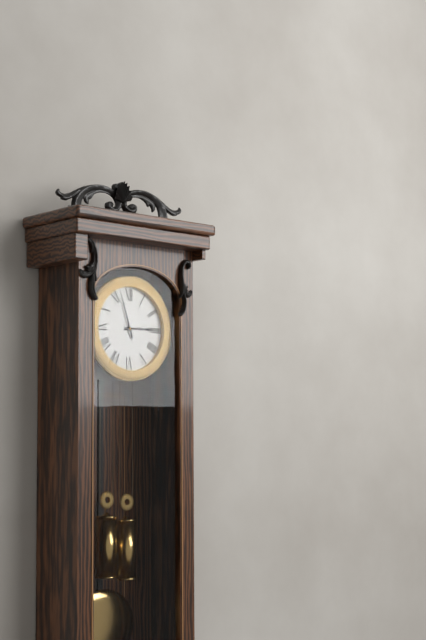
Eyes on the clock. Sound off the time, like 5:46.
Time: 2:57
